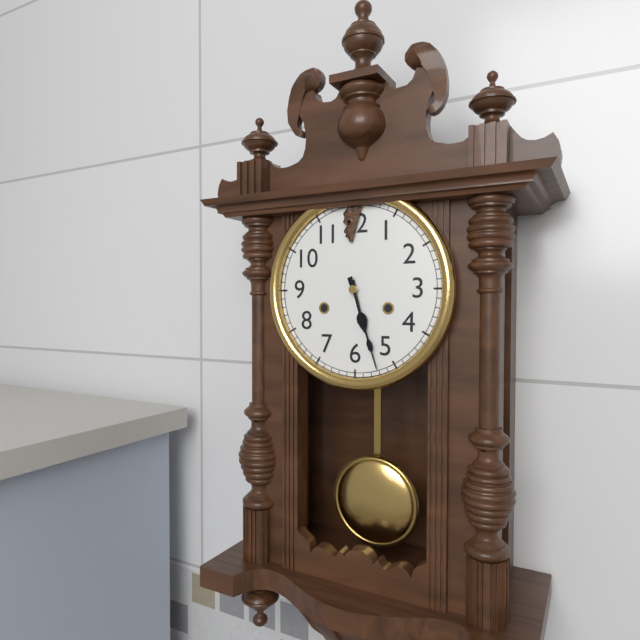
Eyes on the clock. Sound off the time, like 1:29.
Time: 5:27
